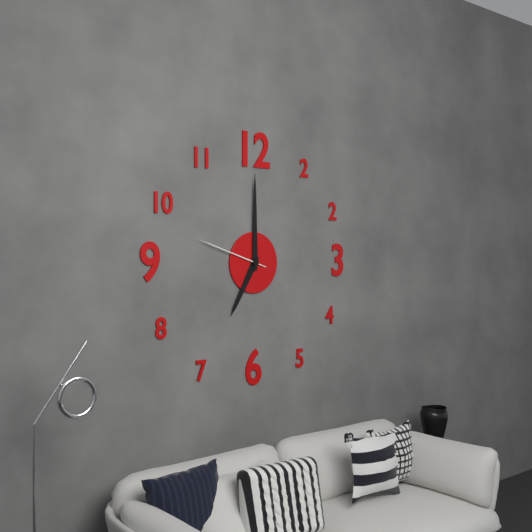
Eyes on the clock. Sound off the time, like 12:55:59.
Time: 7:00:48
